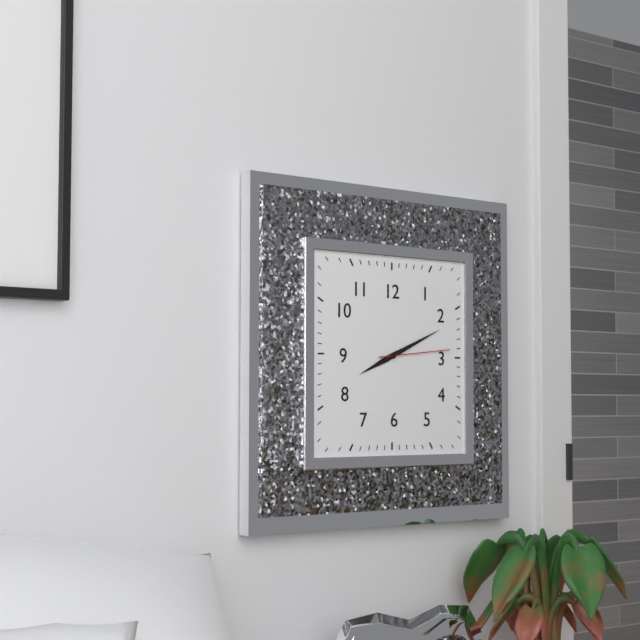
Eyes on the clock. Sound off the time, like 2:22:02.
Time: 8:11:14
